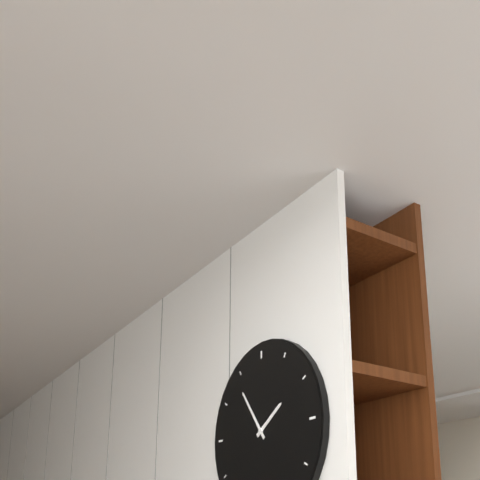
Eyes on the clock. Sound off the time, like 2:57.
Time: 1:54
